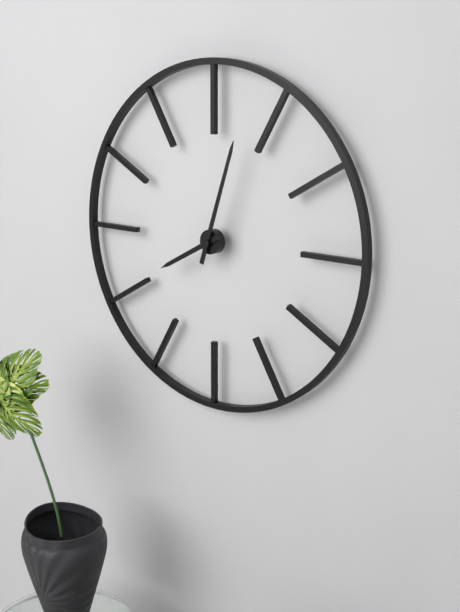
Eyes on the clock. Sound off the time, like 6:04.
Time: 8:03
